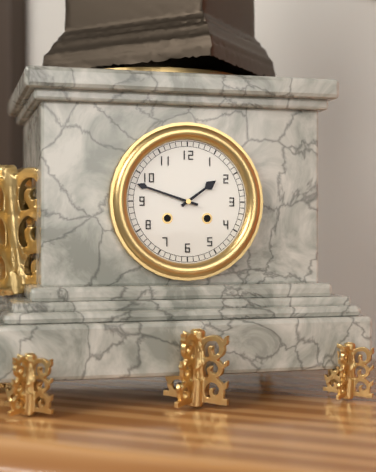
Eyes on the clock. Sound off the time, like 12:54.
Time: 1:48
